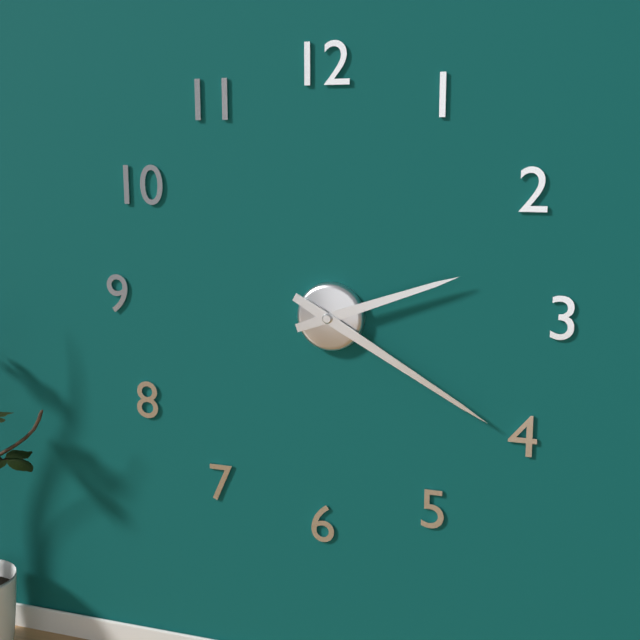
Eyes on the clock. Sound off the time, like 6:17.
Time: 2:20
